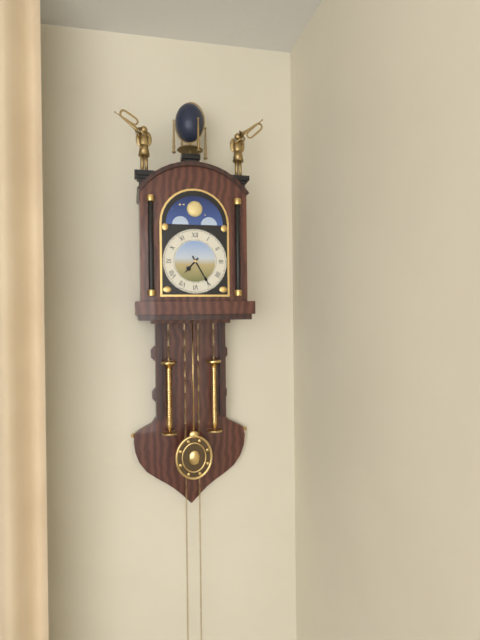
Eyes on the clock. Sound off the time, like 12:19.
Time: 7:25
